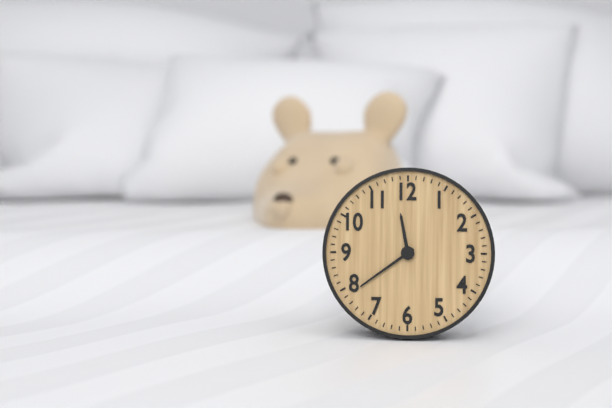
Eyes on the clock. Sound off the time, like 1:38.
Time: 11:39
